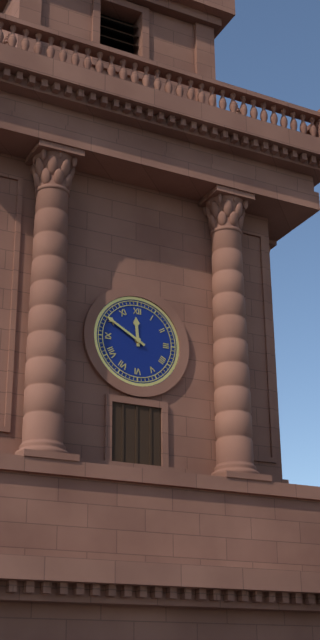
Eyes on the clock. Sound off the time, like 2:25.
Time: 11:50
